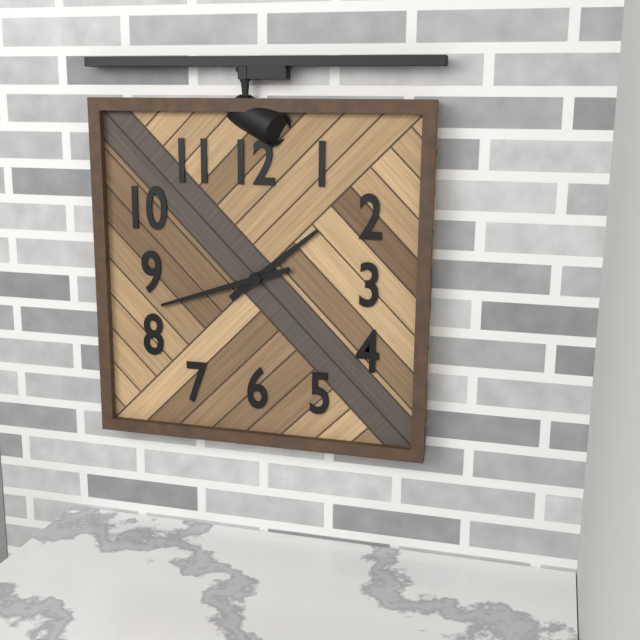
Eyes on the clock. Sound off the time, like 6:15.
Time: 1:42
